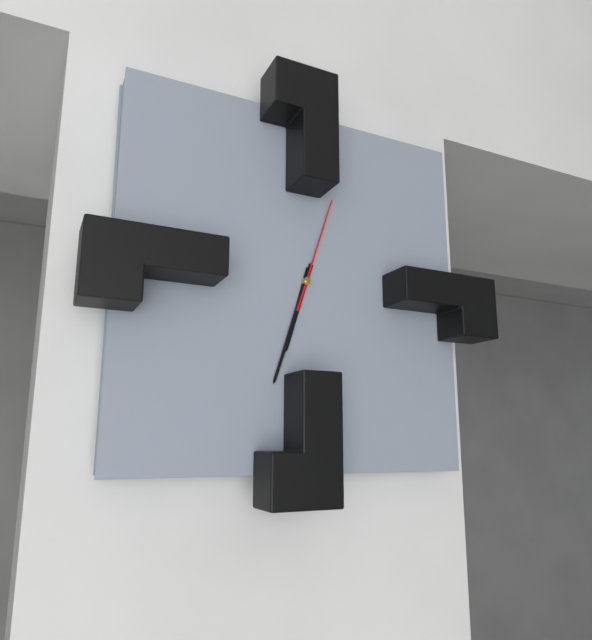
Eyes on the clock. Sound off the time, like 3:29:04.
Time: 6:33:03
